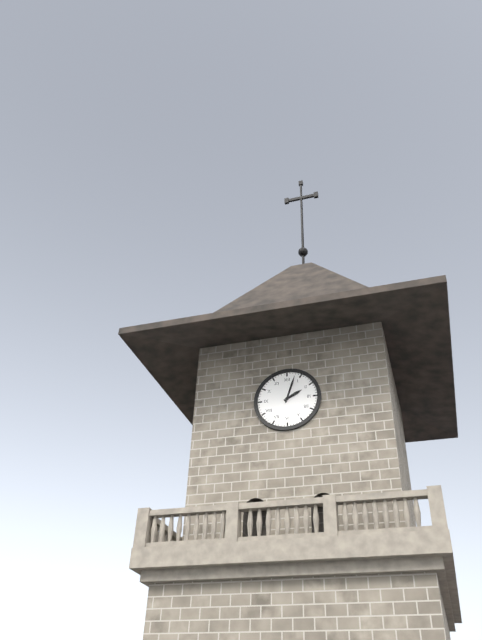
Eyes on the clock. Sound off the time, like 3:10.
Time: 2:03
